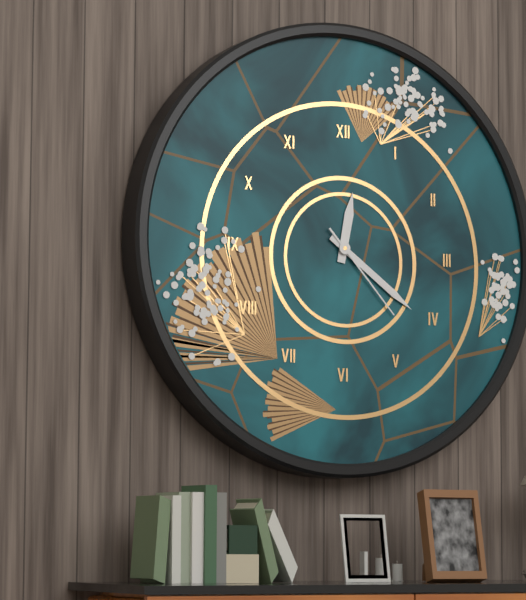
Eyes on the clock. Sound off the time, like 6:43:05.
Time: 12:21:23
